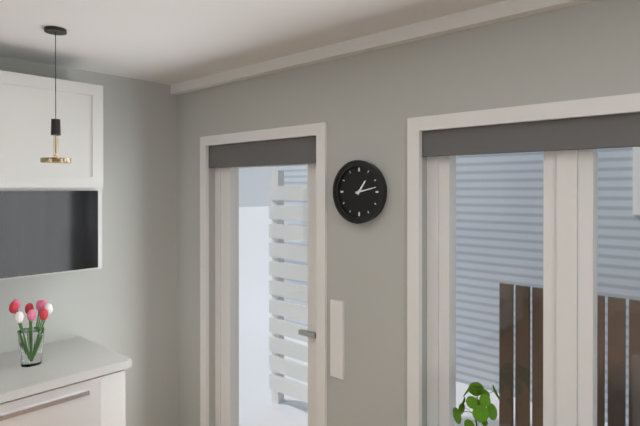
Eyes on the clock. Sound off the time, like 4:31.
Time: 1:13
